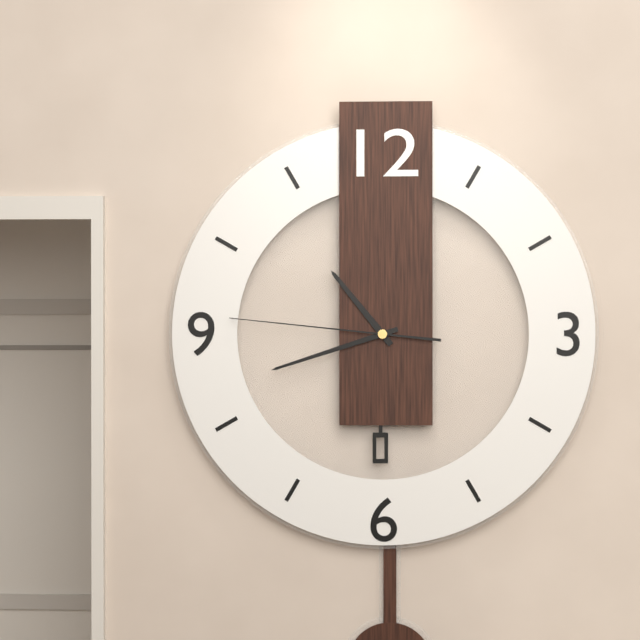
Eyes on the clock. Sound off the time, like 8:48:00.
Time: 10:42:46
